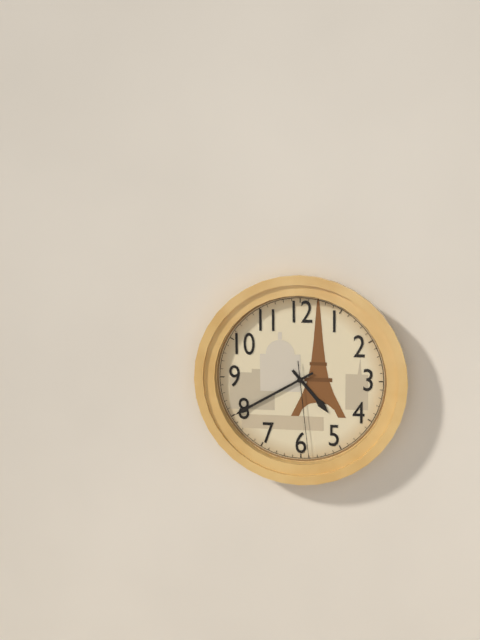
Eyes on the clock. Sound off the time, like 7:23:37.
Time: 4:40:29
